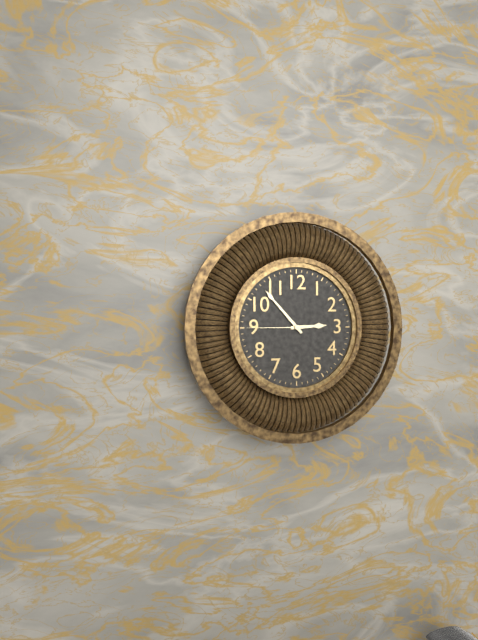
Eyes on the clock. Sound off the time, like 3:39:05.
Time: 2:53:45
